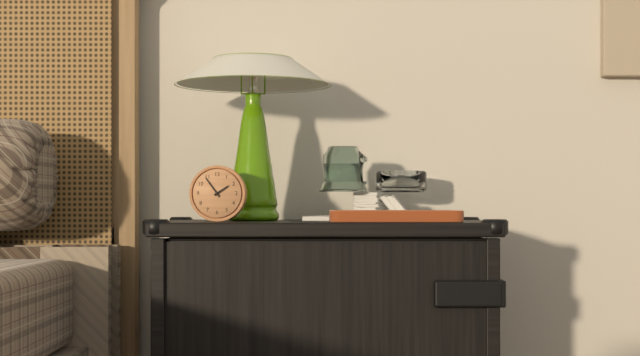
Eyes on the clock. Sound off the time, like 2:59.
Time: 1:54
